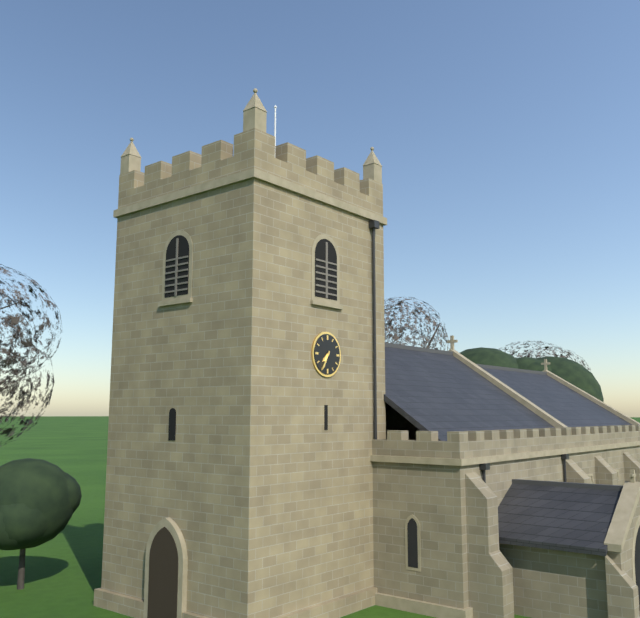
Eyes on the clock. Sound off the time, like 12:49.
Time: 7:35
